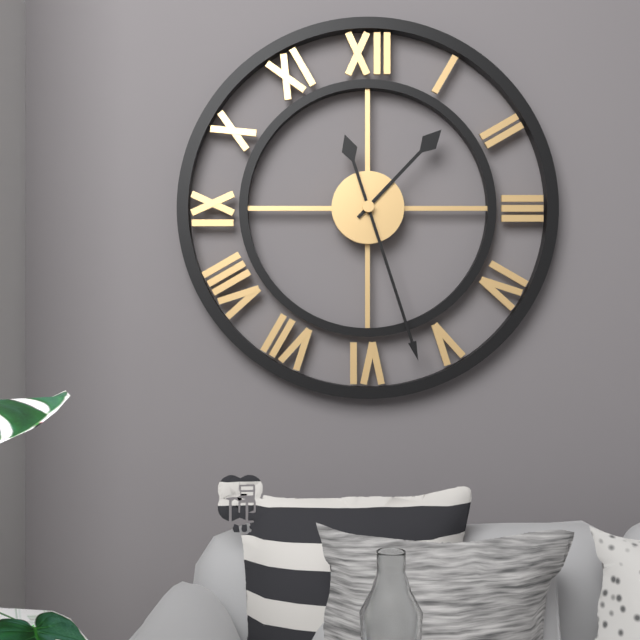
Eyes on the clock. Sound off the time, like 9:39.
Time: 1:27
